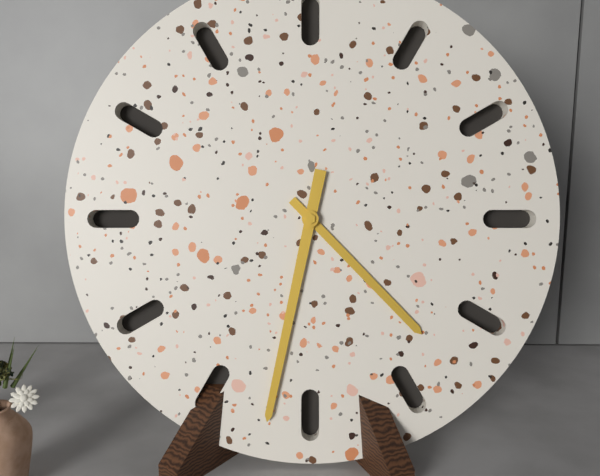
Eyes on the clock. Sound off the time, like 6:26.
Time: 4:32
